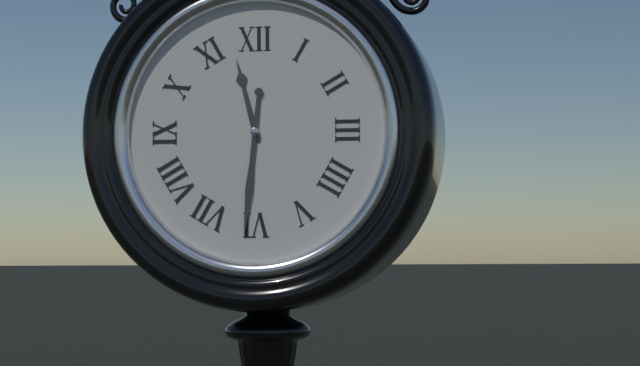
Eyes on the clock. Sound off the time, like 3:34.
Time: 11:31
